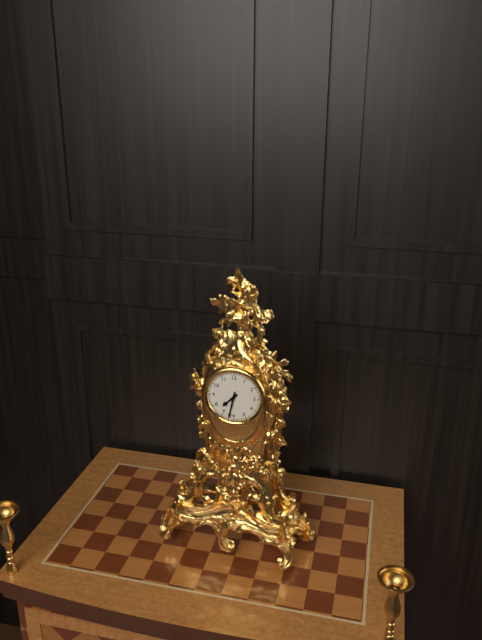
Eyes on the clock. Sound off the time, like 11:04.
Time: 7:32
